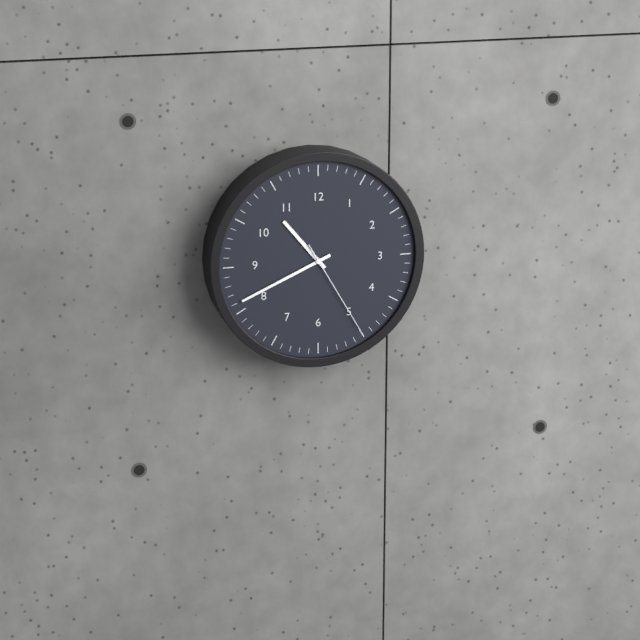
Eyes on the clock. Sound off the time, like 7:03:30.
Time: 10:41:25
